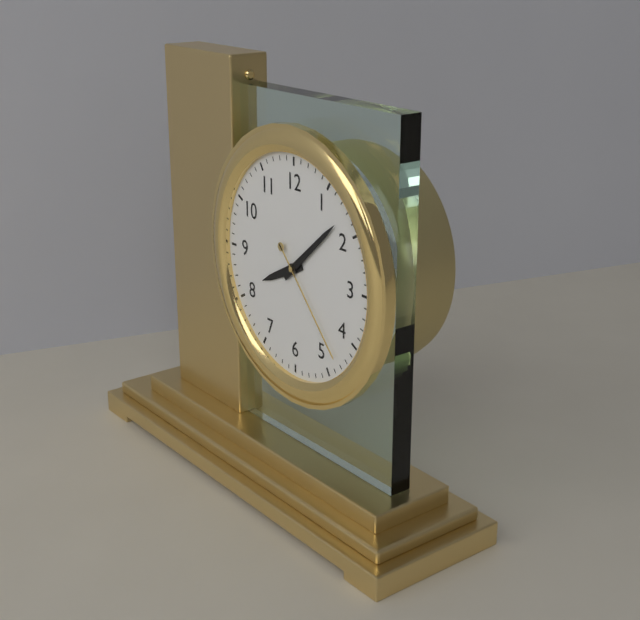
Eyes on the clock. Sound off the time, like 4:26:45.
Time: 8:08:23
